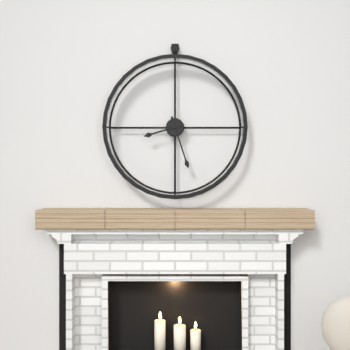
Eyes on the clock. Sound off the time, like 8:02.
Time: 8:27
